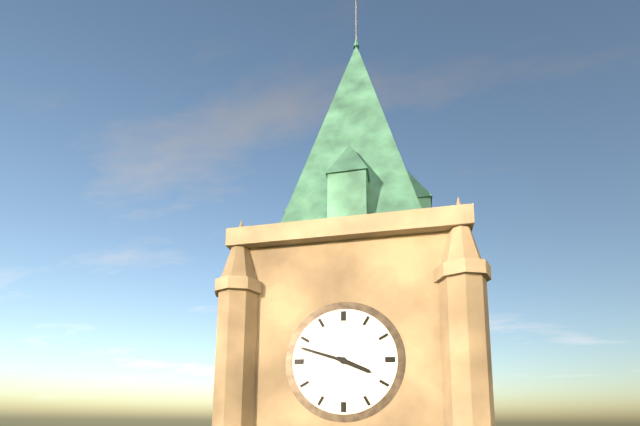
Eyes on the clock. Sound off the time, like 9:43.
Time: 3:48
